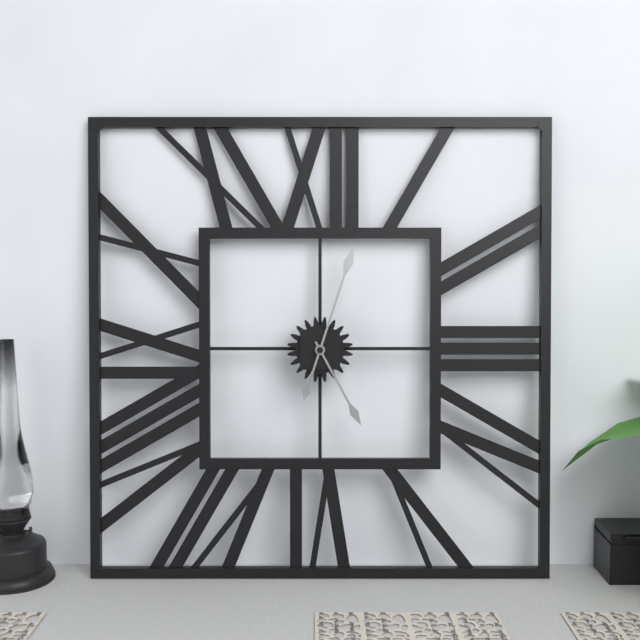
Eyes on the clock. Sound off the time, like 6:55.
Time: 5:03
